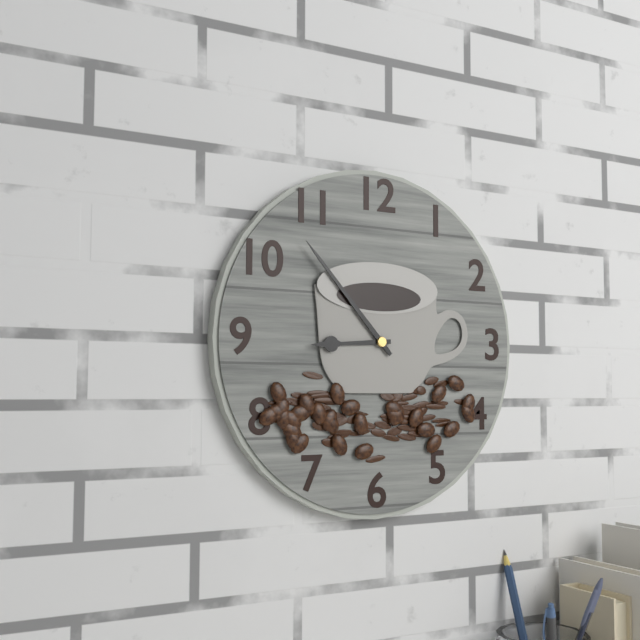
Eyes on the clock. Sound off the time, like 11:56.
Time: 8:53
